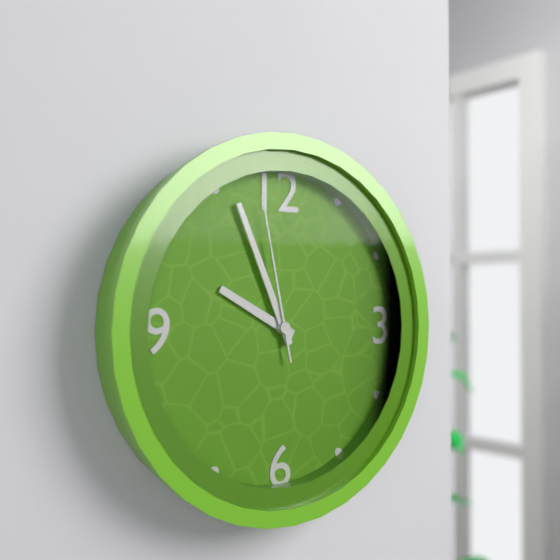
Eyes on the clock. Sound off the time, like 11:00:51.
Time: 9:56:58
